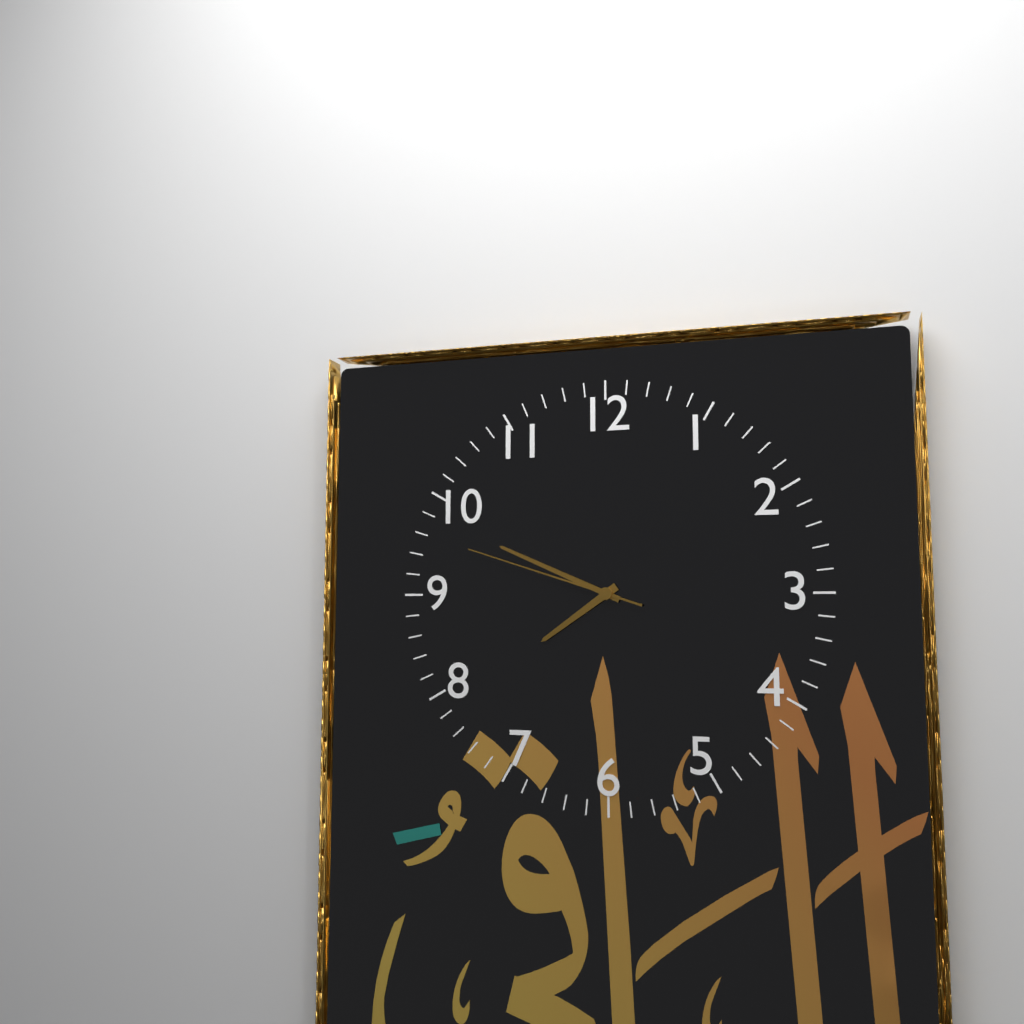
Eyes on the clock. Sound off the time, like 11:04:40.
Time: 7:49:48
